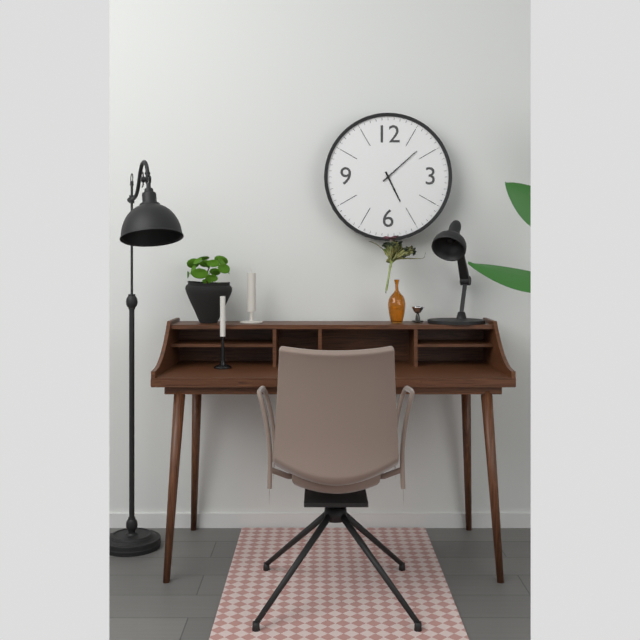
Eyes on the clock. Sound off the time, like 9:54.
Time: 5:08
